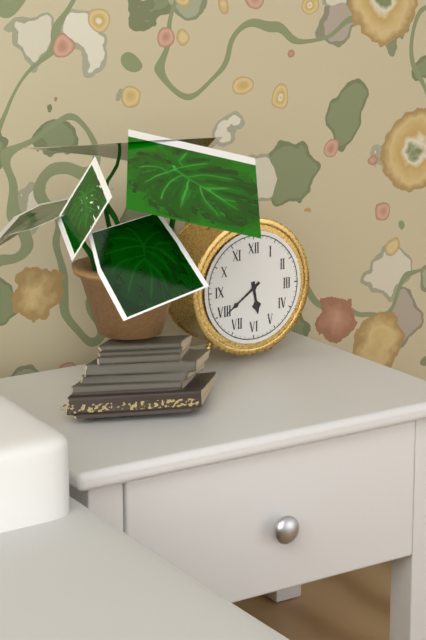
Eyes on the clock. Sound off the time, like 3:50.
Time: 5:39
